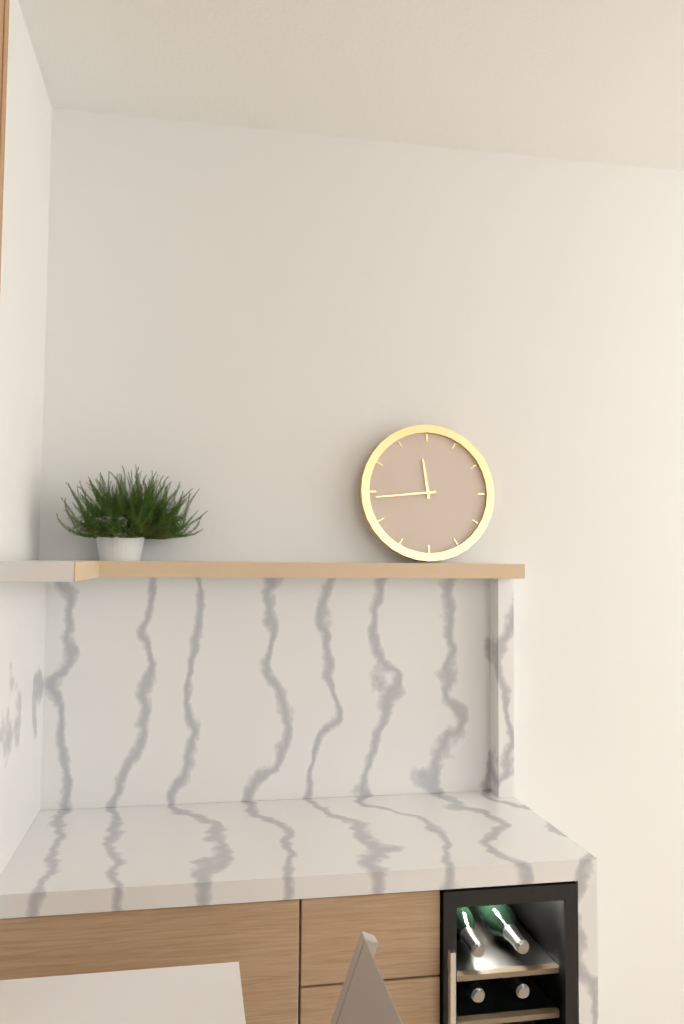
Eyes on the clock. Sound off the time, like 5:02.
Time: 11:44
